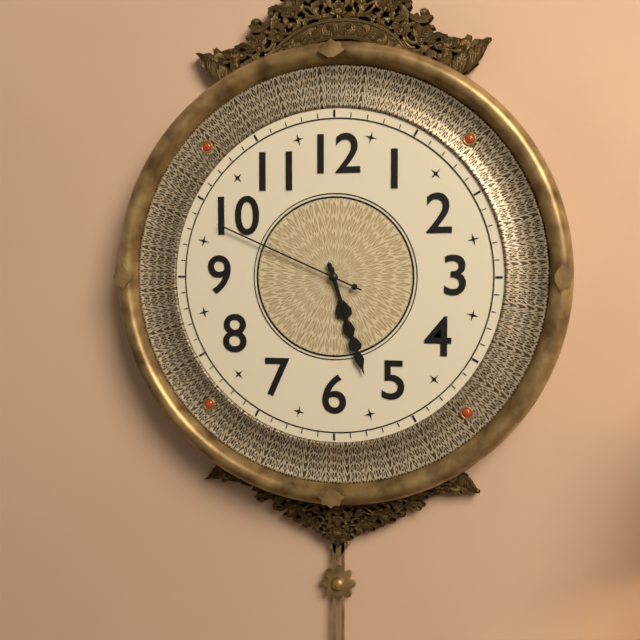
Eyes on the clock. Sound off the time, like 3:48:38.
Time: 5:27:49
